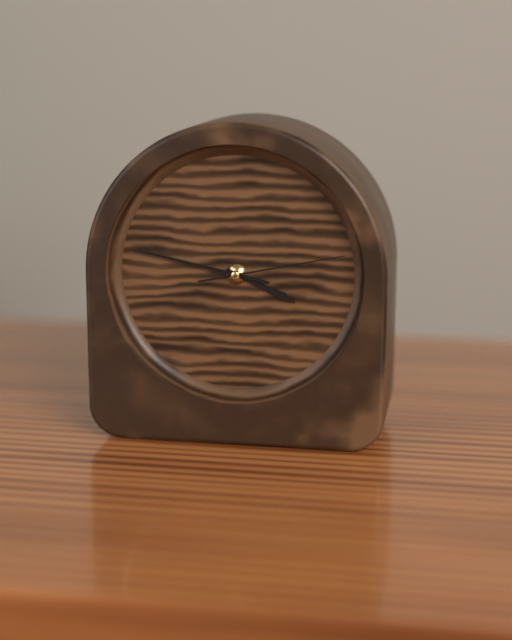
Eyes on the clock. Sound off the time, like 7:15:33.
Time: 3:47:13
